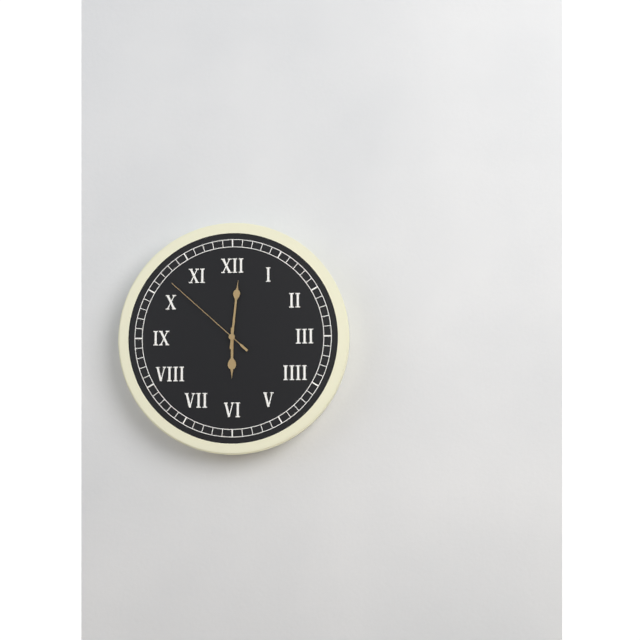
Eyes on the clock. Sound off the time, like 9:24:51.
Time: 6:01:52
